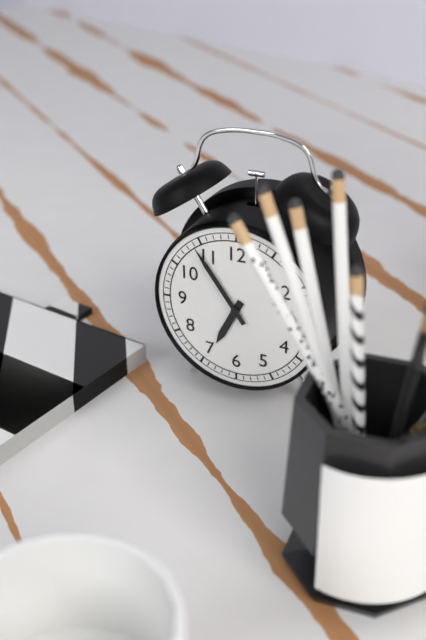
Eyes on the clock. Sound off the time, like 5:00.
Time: 6:54
